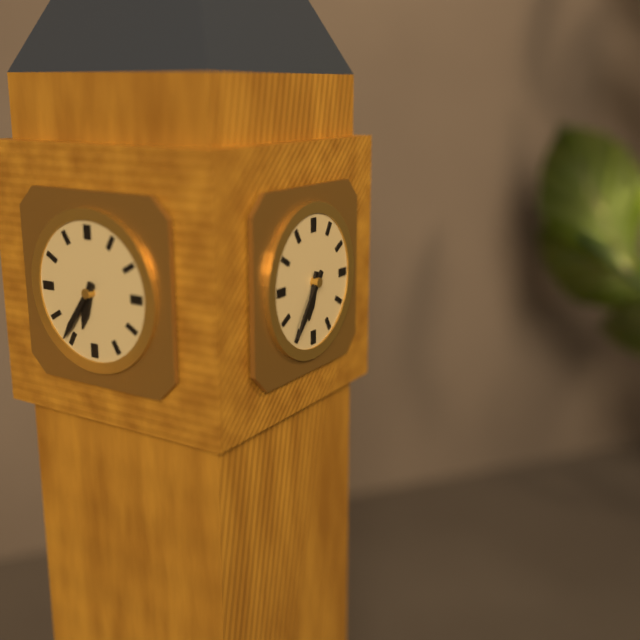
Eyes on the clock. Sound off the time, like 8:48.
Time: 6:36
